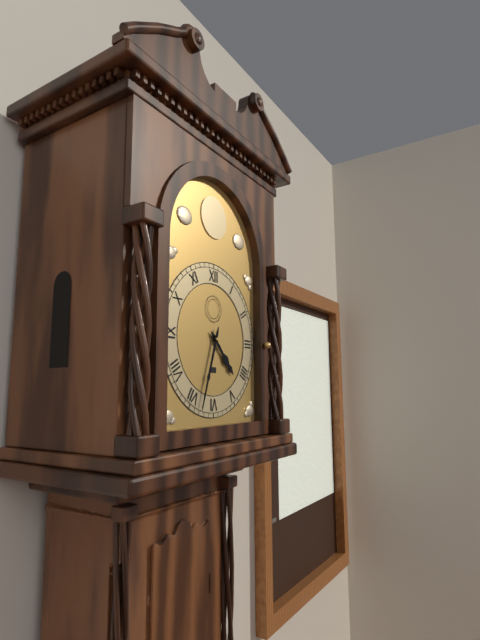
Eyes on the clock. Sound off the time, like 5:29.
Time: 4:33
